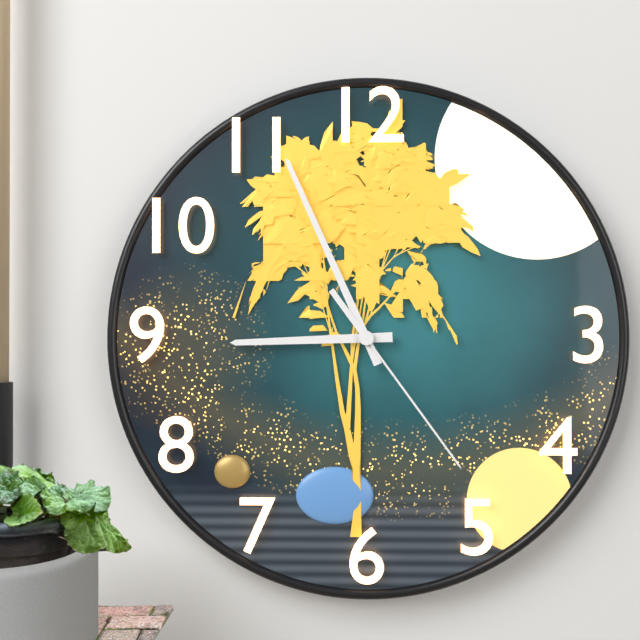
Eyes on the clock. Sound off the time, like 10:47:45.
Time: 8:56:24
